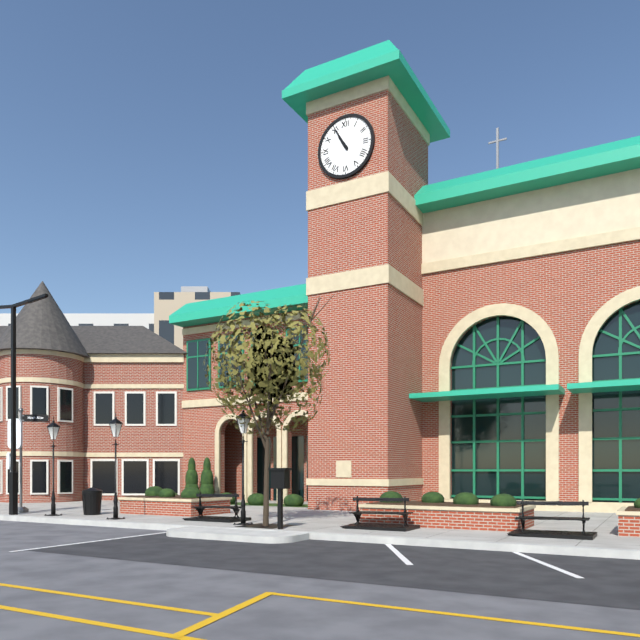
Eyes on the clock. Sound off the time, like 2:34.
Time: 10:55
